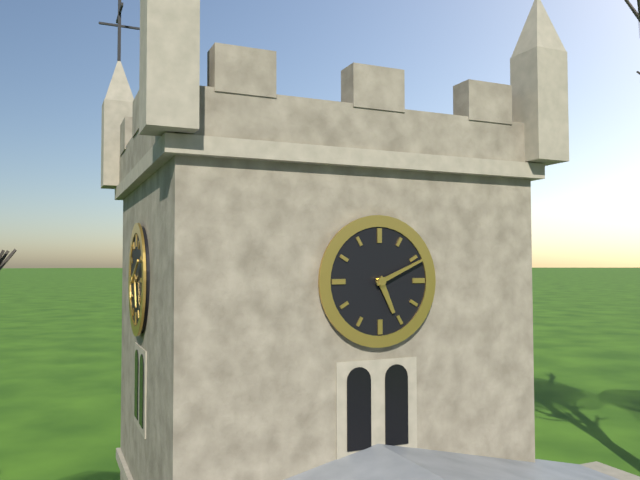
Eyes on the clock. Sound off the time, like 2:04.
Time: 5:11
